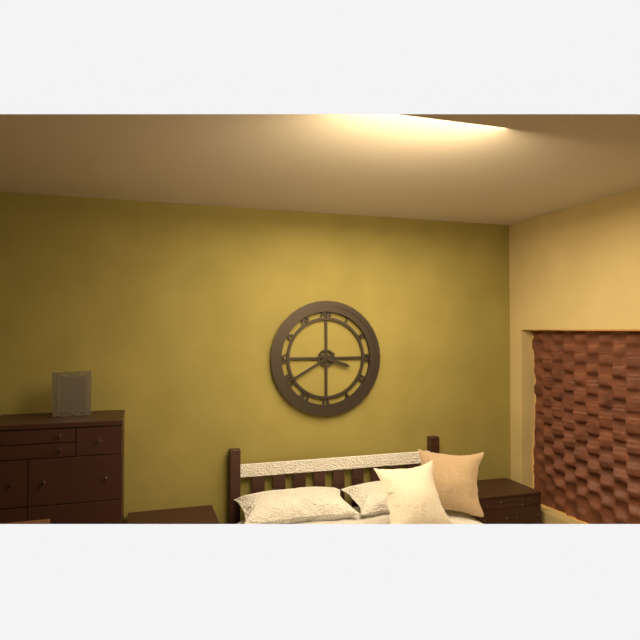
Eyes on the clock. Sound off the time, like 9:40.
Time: 3:40
